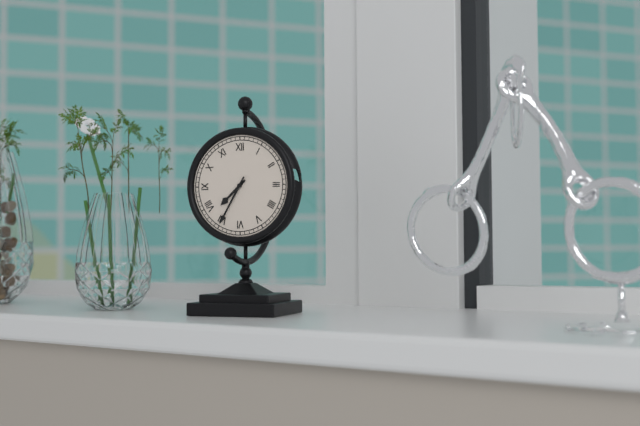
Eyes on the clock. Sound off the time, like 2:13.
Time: 7:35
